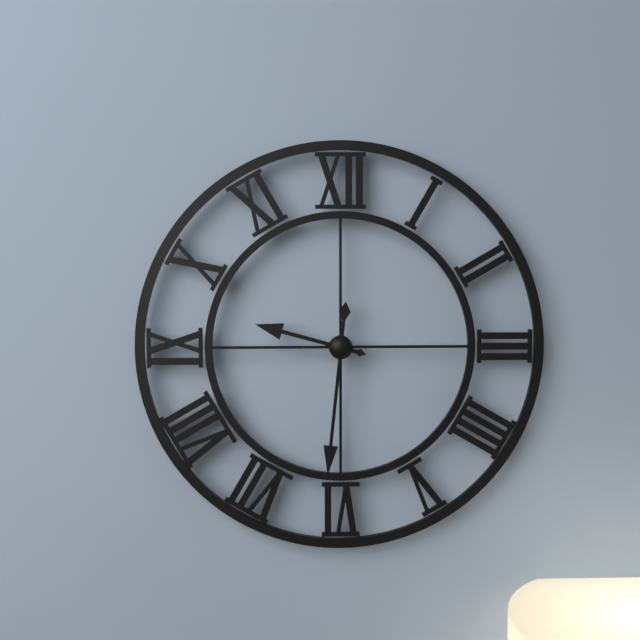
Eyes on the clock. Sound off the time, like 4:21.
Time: 9:31
